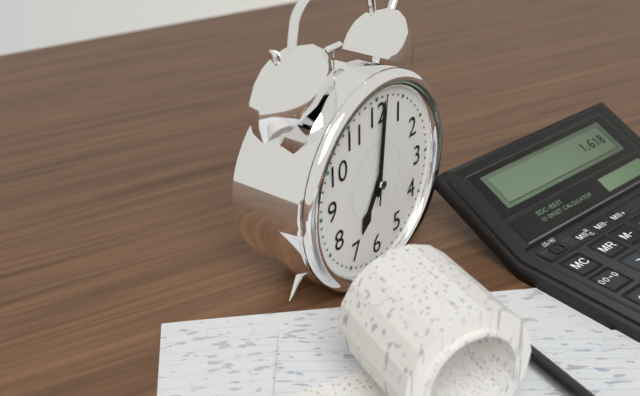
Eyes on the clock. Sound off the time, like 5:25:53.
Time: 7:01:01
